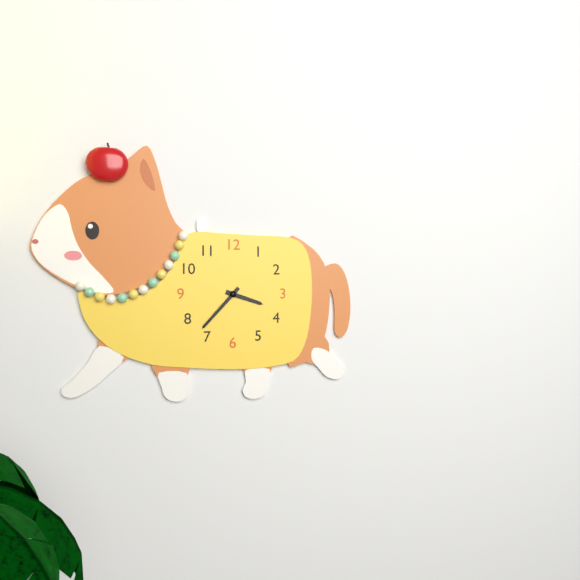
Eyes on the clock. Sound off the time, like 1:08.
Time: 3:37
